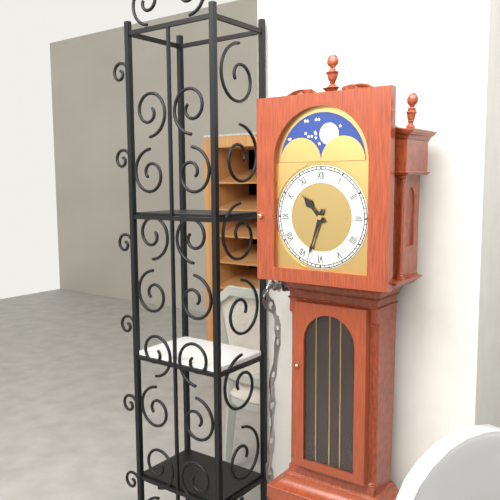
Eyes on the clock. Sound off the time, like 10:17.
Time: 10:33
